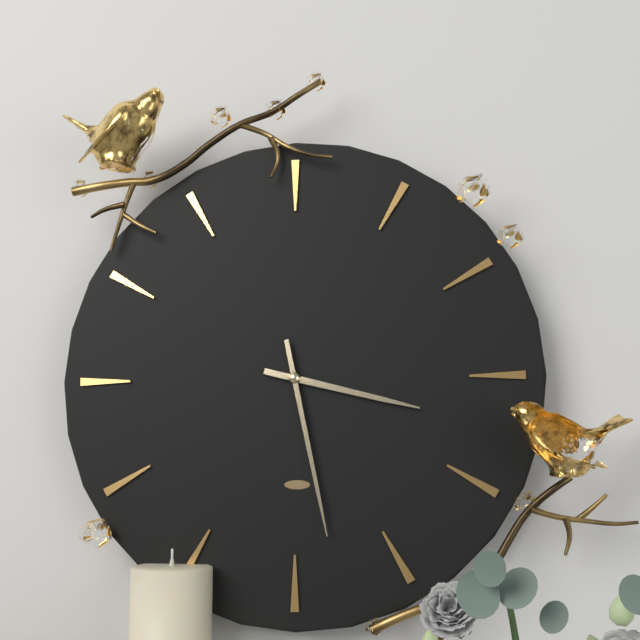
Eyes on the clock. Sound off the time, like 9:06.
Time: 3:28
